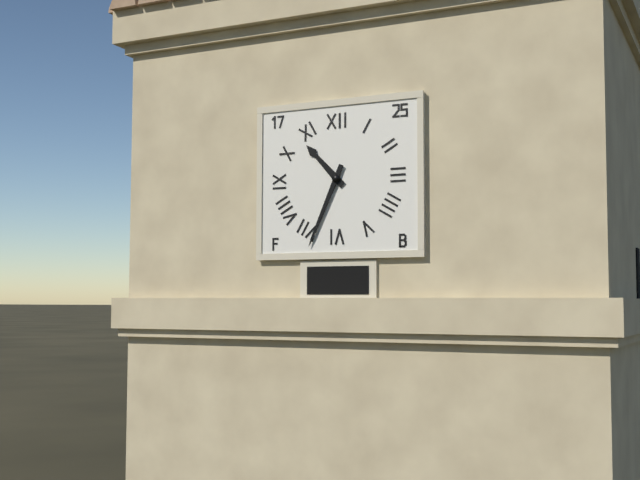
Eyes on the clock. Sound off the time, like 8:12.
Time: 10:34
